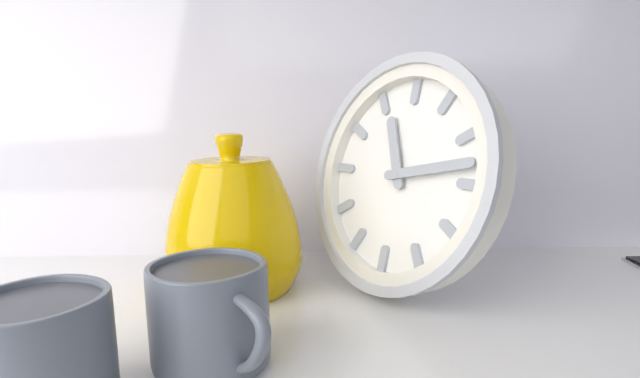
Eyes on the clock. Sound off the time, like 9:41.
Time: 11:13
